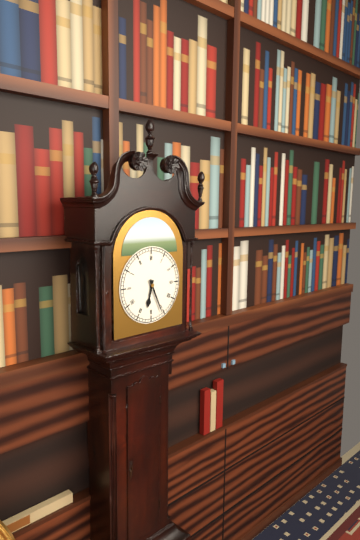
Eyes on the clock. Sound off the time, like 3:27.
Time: 6:26
